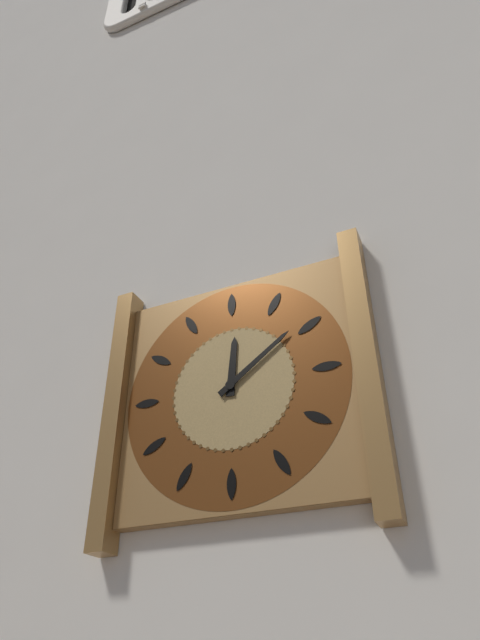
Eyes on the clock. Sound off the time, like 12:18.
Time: 12:09
